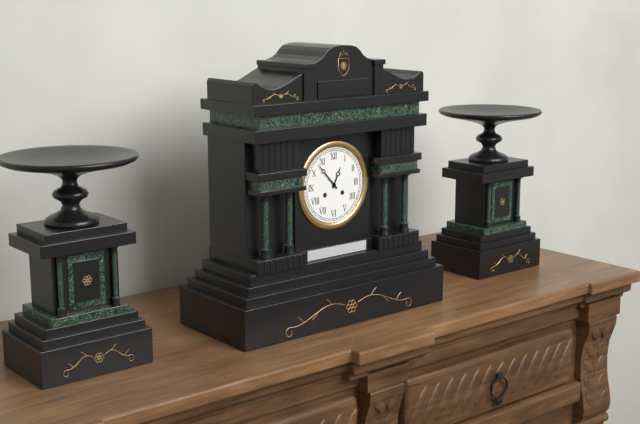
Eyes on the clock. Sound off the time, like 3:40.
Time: 12:53
